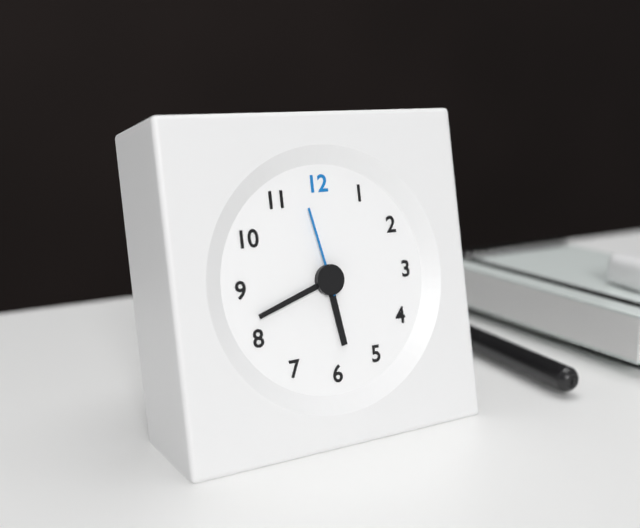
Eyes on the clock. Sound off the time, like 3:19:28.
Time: 5:42:58
